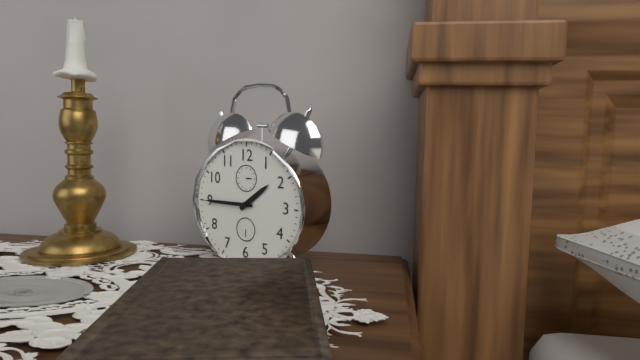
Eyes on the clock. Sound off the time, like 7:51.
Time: 1:45
